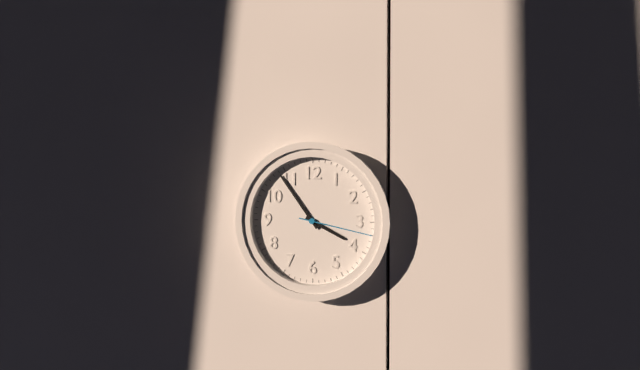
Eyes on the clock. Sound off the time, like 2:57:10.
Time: 3:54:17
